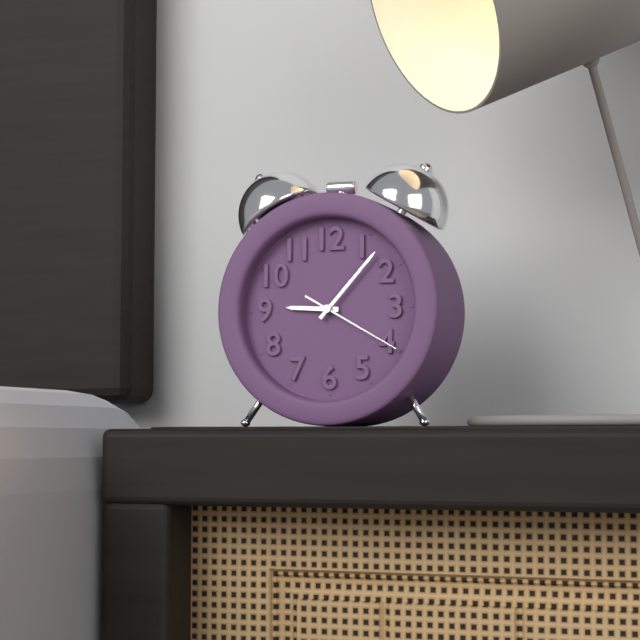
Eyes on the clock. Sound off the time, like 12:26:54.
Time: 9:07:20
